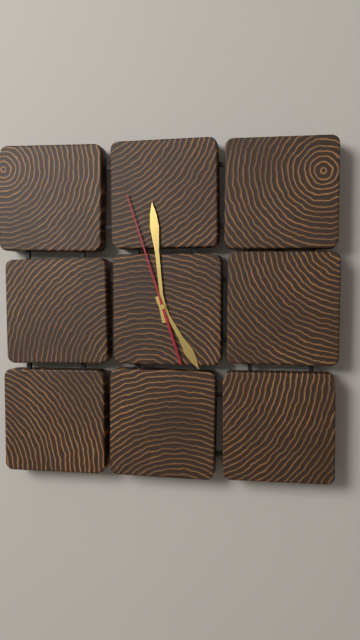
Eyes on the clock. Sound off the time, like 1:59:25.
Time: 4:59:57
